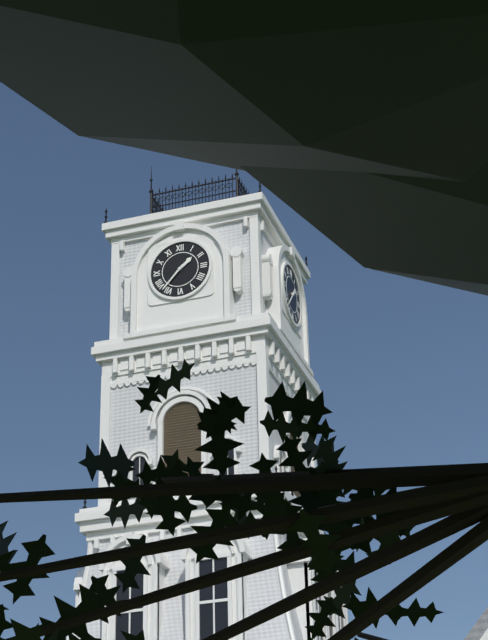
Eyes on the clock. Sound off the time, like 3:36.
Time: 1:37
